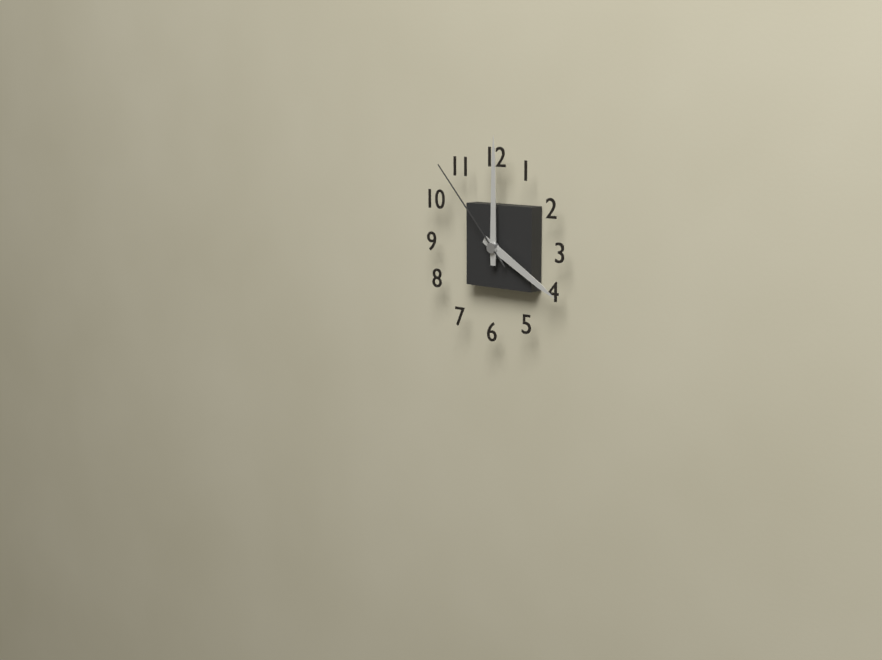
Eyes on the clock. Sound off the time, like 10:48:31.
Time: 4:00:53
